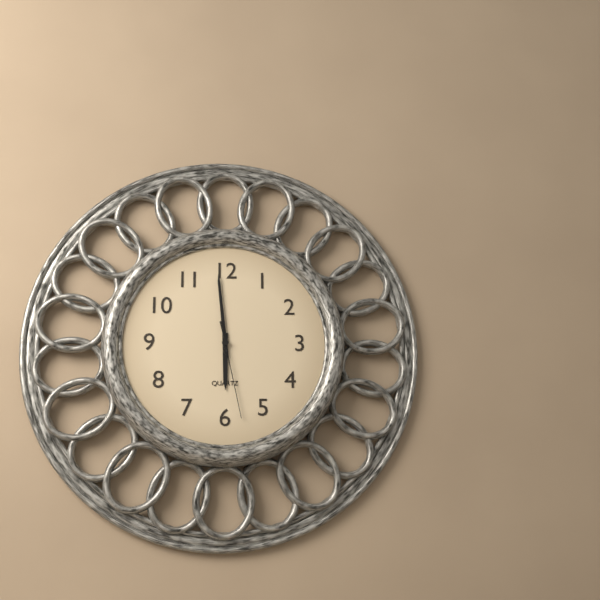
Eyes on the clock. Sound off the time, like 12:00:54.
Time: 5:59:28
